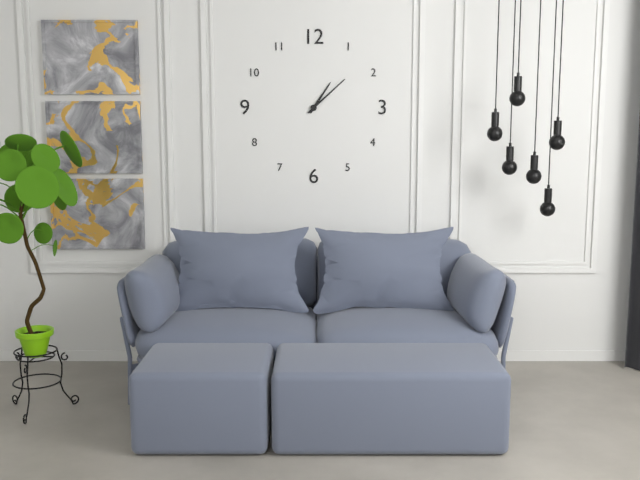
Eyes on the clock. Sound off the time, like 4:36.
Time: 1:08
